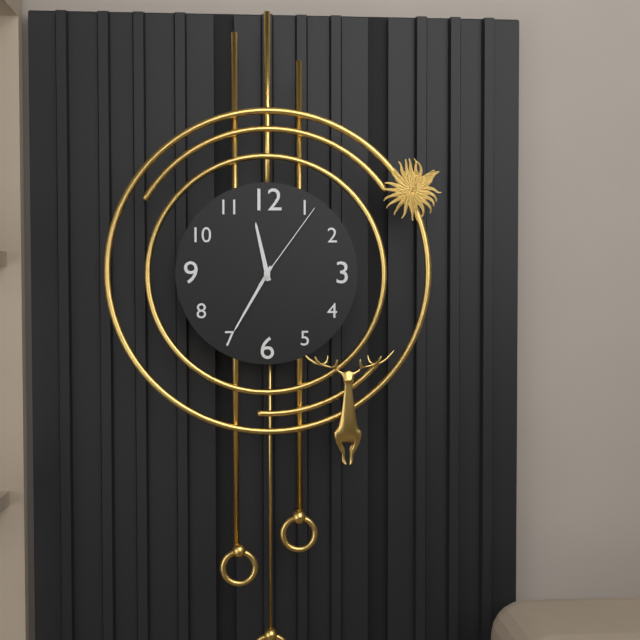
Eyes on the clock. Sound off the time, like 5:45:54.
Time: 11:35:06
